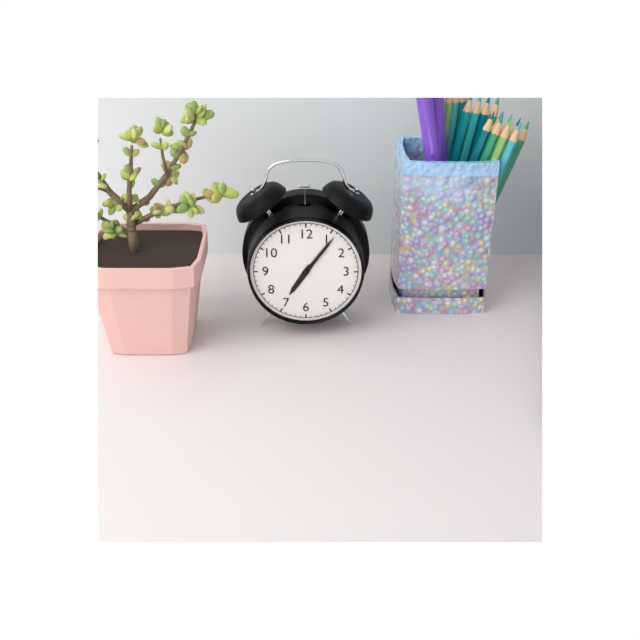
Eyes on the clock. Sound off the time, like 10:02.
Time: 7:06
